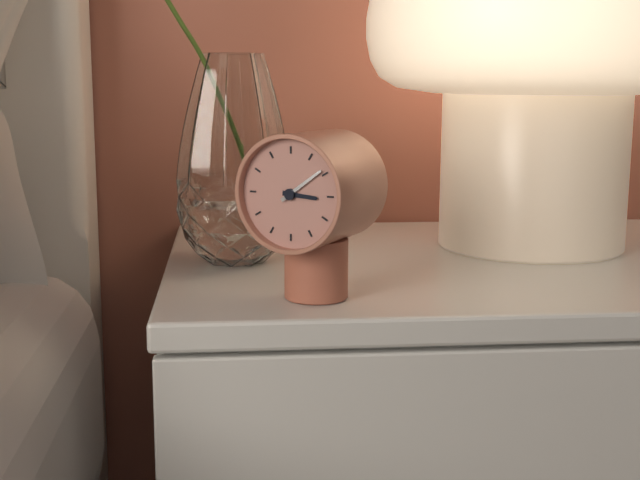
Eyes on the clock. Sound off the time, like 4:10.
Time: 3:09
